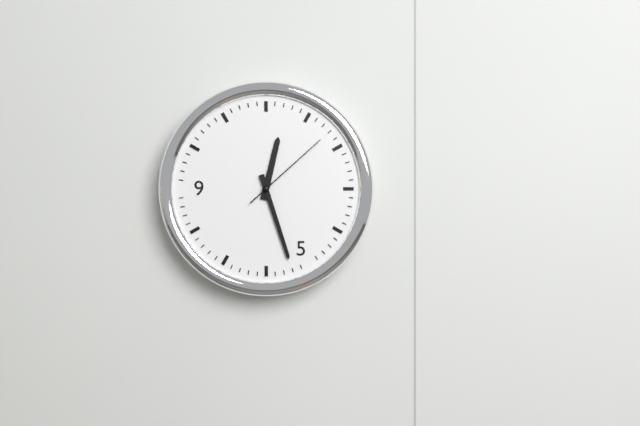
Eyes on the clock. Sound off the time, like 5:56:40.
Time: 12:27:08
